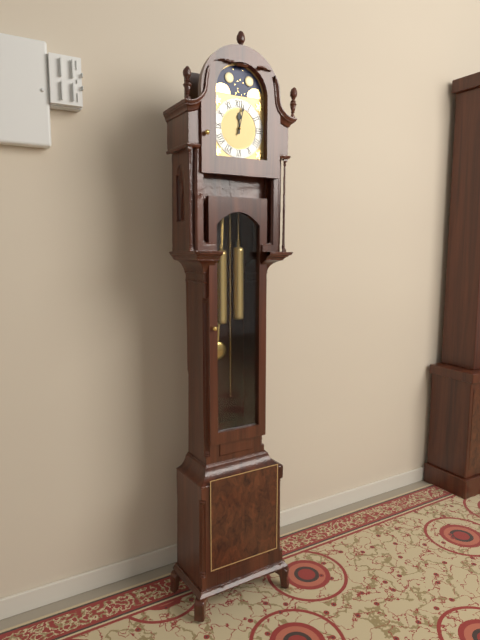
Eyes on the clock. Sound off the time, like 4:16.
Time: 12:02
